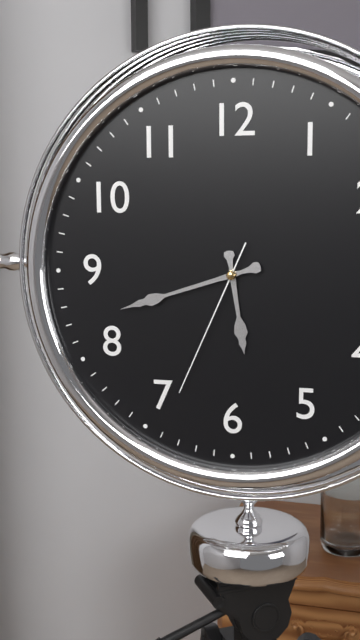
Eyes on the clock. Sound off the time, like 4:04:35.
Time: 5:42:34
